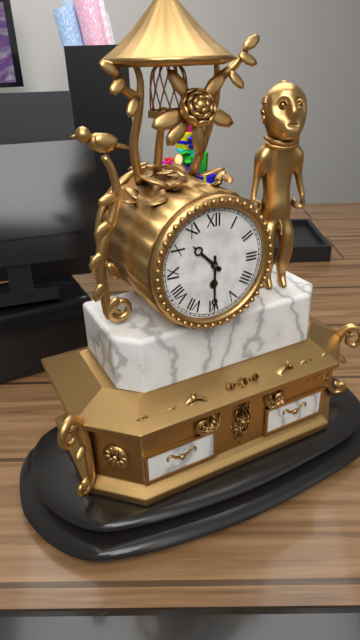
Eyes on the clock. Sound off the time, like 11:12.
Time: 10:30
